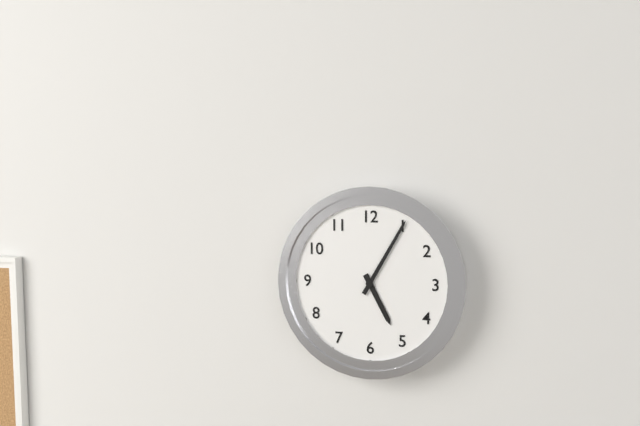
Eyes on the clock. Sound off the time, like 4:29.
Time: 5:05
